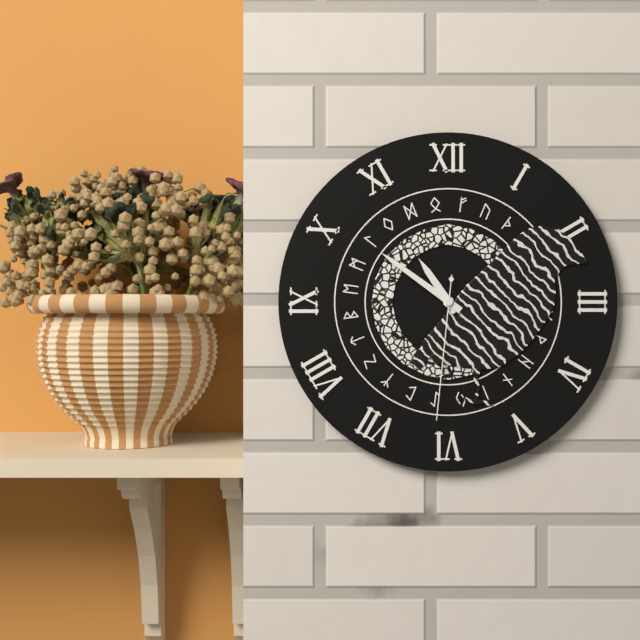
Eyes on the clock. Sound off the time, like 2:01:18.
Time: 10:51:31
